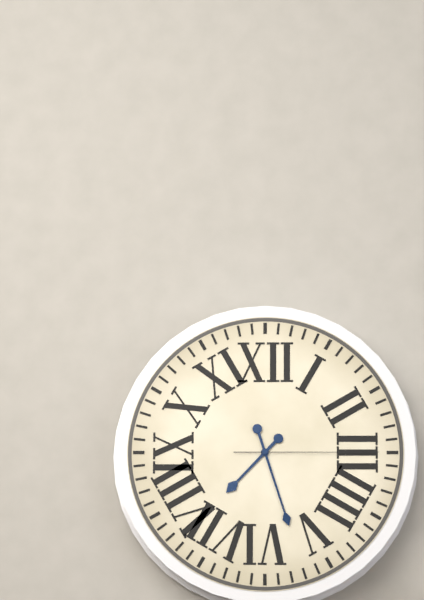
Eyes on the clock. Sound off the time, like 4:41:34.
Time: 7:27:15
